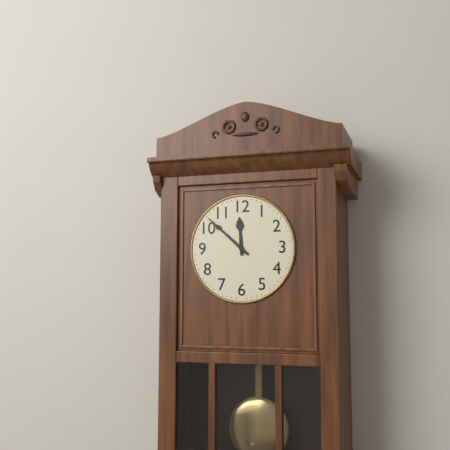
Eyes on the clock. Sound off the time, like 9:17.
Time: 11:52
